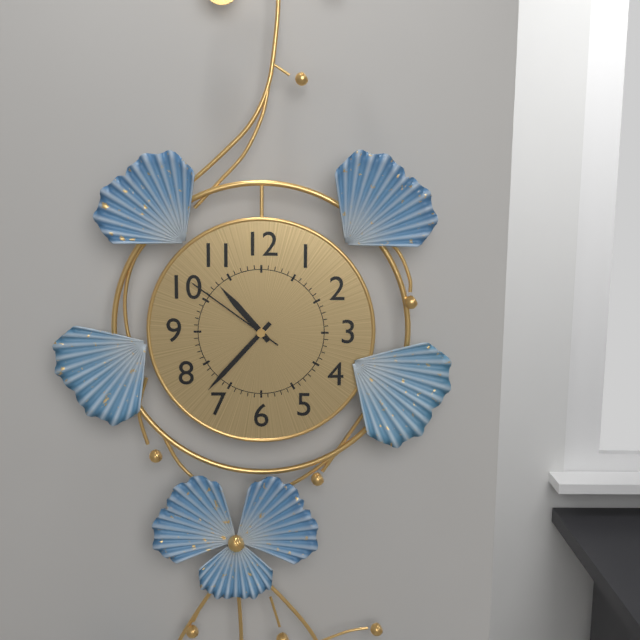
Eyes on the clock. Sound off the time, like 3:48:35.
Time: 10:37:51
